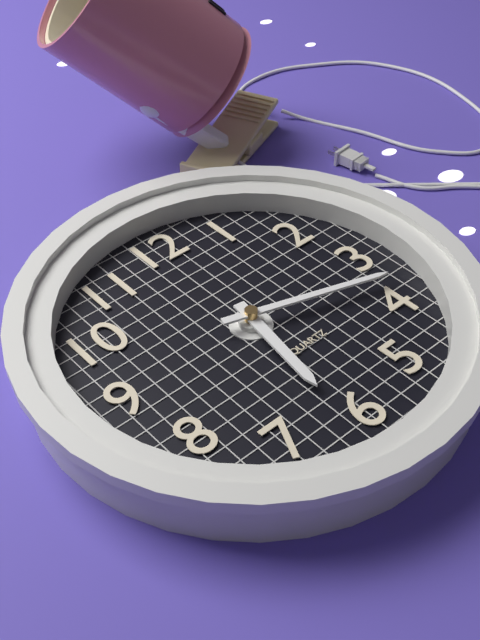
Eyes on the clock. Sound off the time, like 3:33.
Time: 6:18
